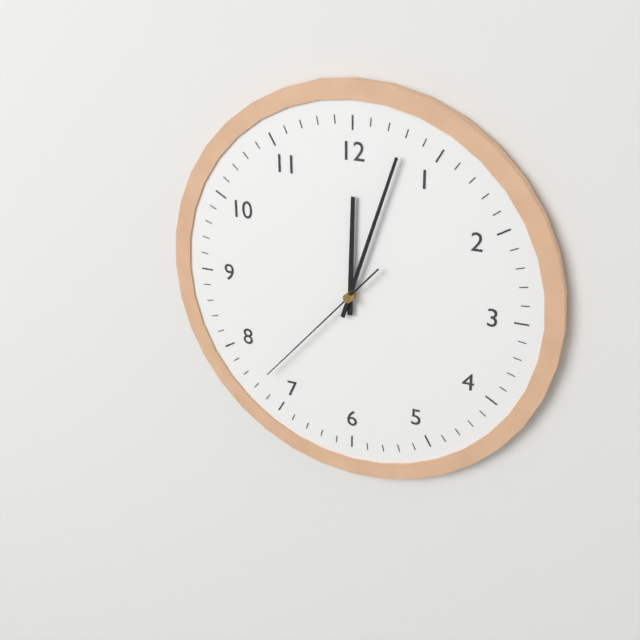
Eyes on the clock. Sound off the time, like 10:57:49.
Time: 12:03:37
